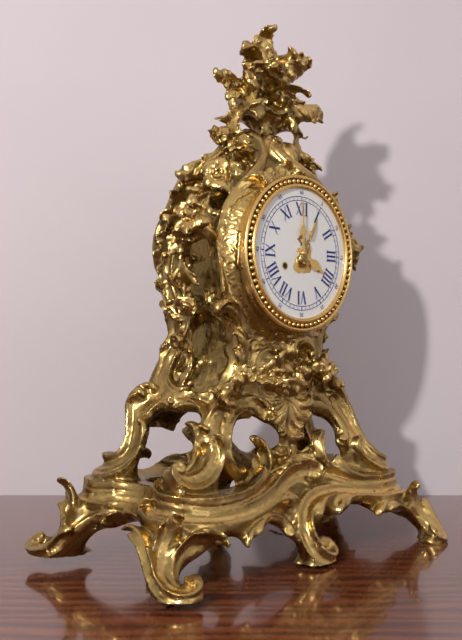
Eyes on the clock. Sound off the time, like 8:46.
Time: 4:00
